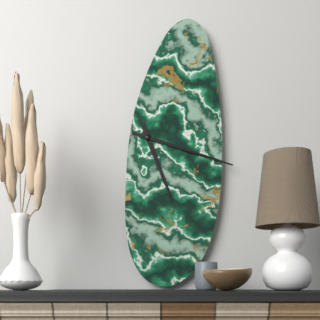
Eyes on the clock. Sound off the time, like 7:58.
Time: 5:18
